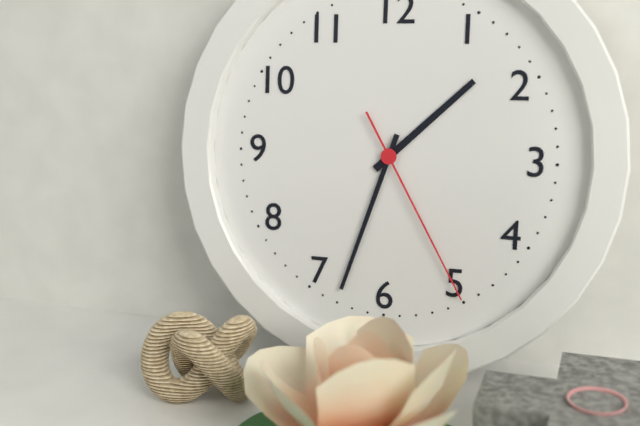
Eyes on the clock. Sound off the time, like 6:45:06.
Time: 1:33:25
